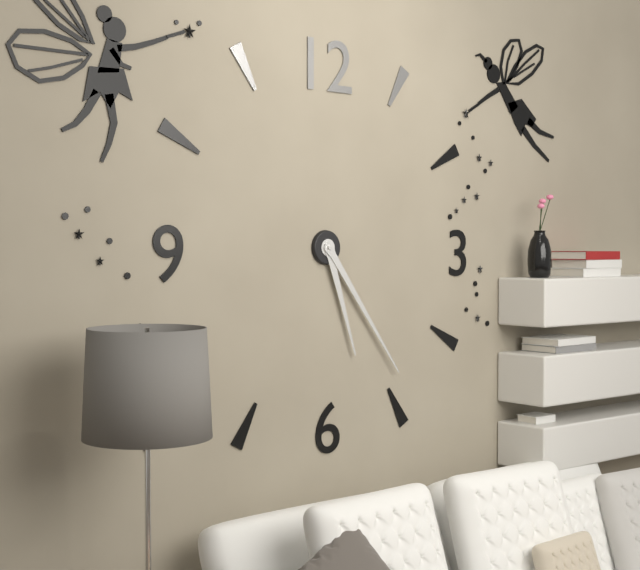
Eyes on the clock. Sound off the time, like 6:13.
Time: 5:24
